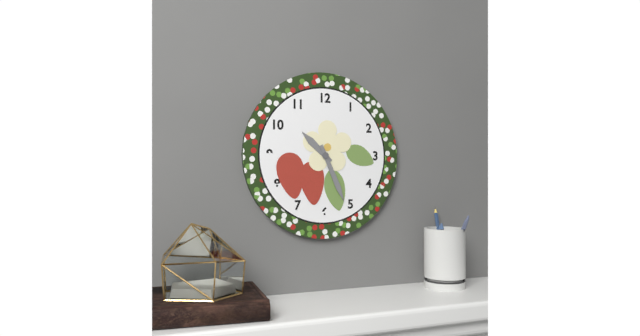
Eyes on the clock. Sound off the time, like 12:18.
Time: 10:26
